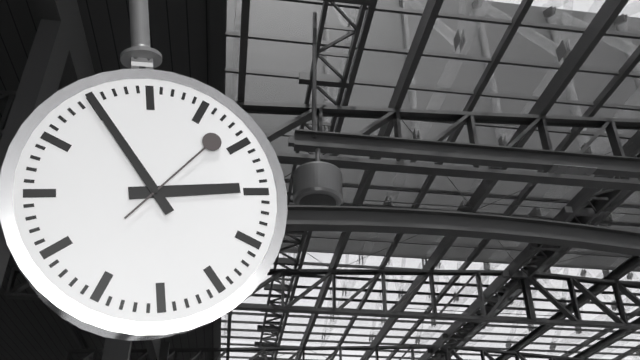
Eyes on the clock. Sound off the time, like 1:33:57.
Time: 2:55:08
